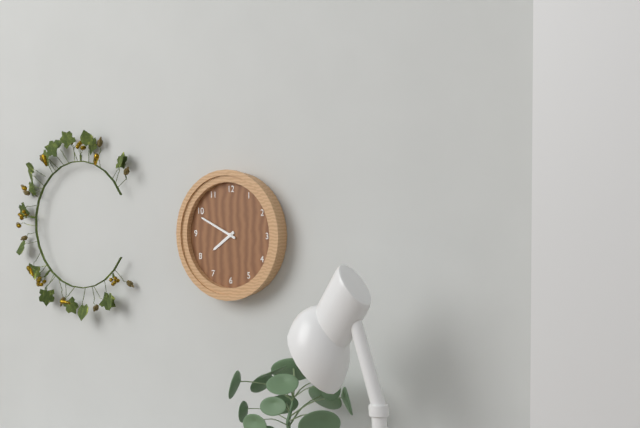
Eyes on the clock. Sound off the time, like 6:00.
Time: 7:49
